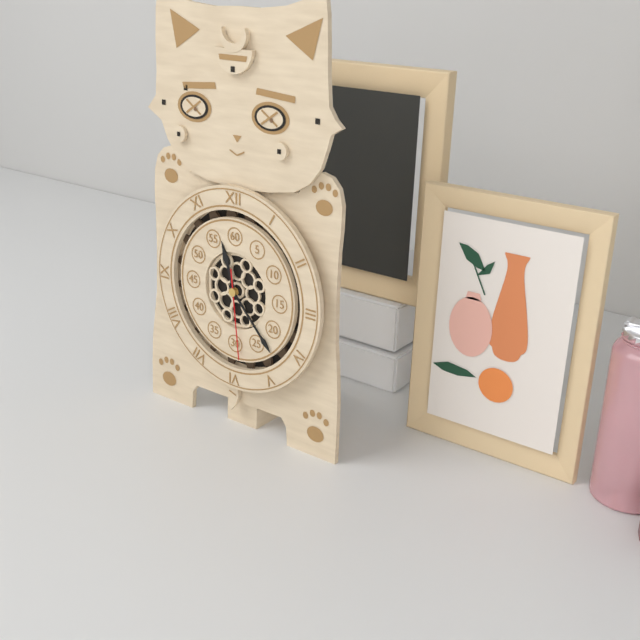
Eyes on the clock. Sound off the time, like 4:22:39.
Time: 11:23:29
